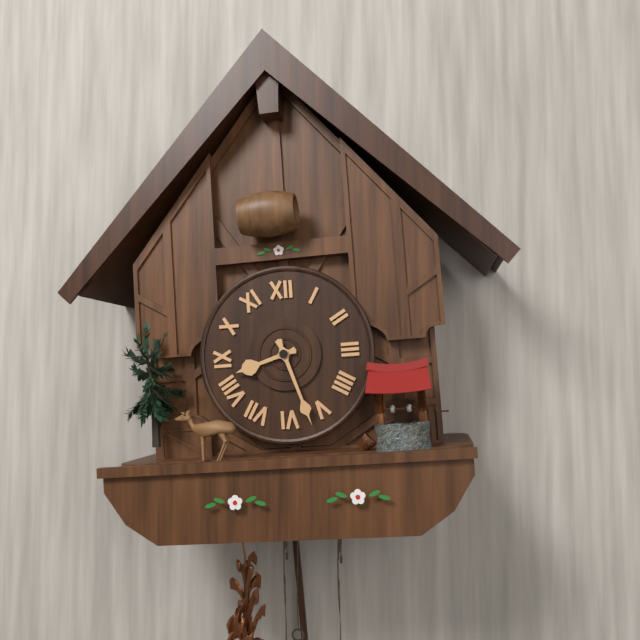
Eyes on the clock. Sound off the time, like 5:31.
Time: 8:27
